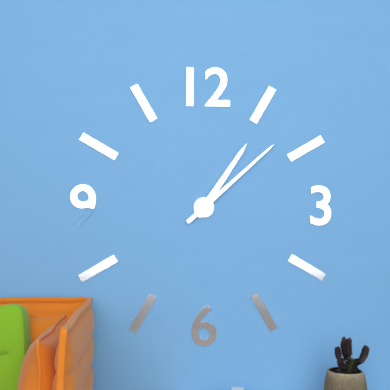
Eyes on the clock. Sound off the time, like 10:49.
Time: 1:08
